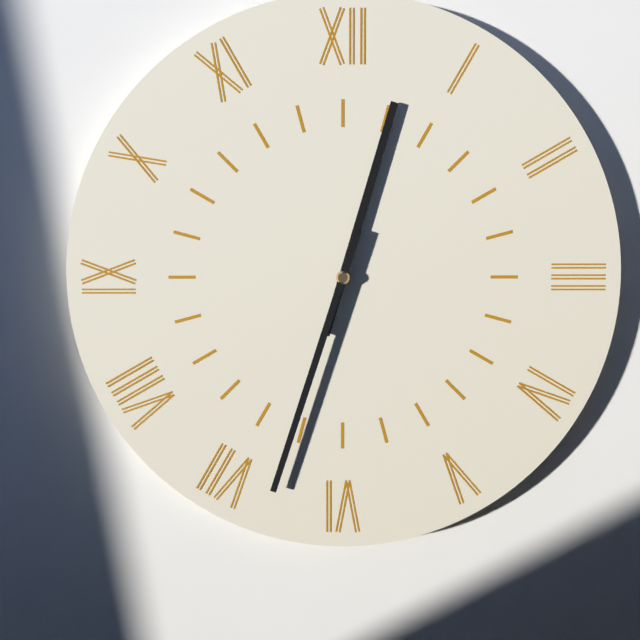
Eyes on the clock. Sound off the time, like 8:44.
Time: 12:33
